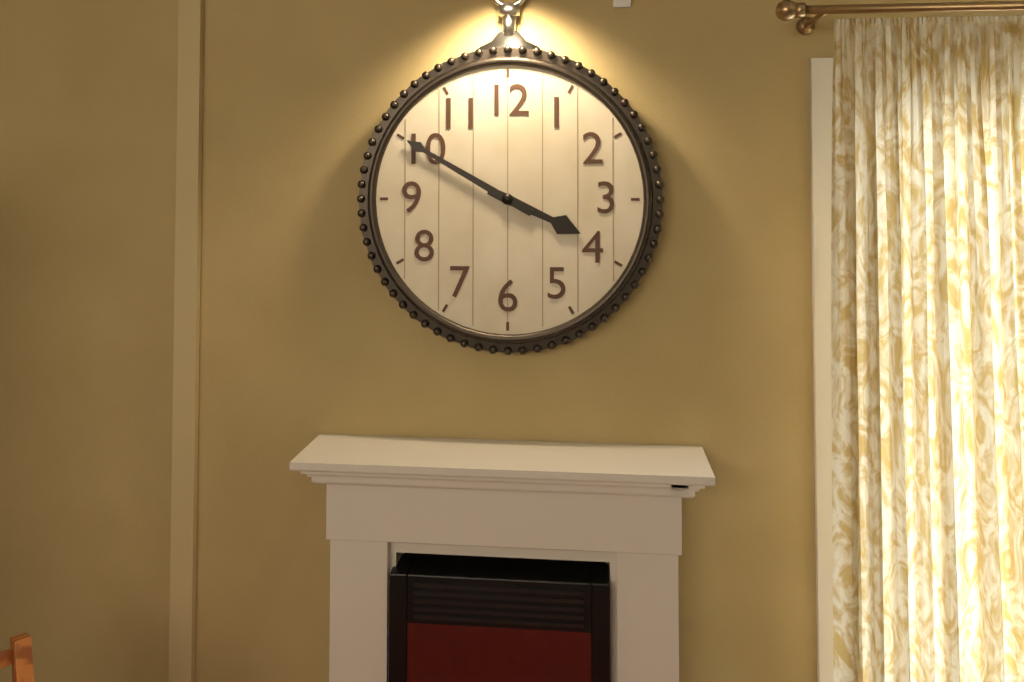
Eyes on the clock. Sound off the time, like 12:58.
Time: 3:50
